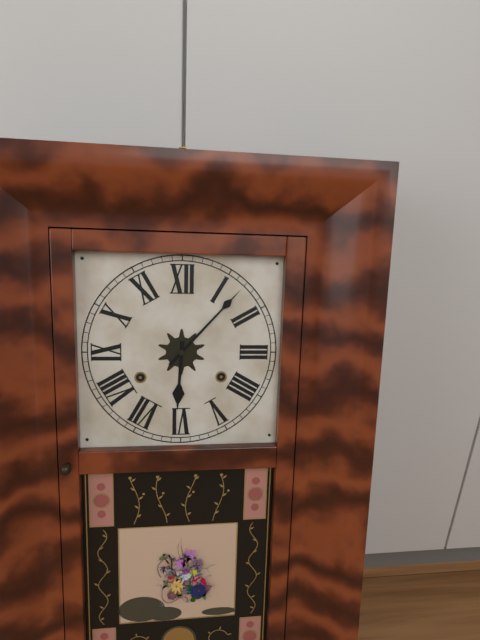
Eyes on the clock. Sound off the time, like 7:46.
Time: 6:07
